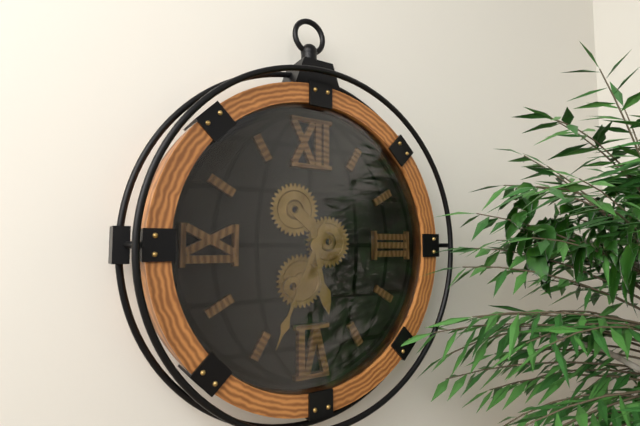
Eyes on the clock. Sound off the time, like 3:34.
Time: 5:34
